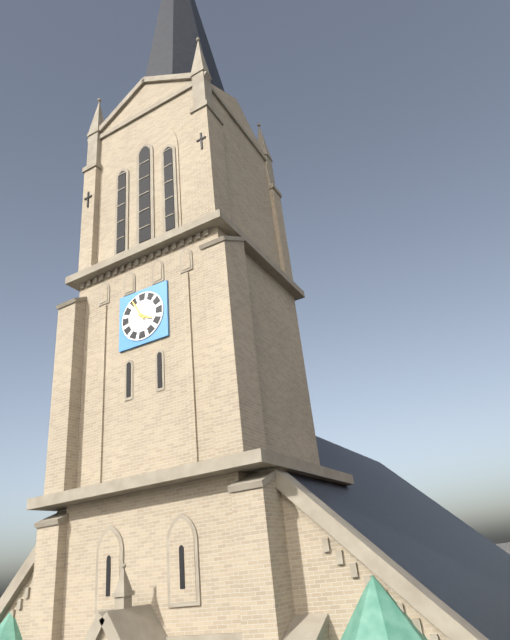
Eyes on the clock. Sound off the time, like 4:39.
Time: 3:55
